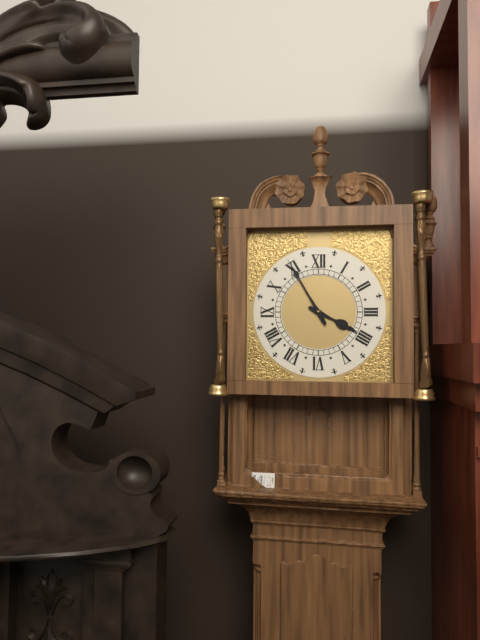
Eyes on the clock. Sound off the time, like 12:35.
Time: 3:55
